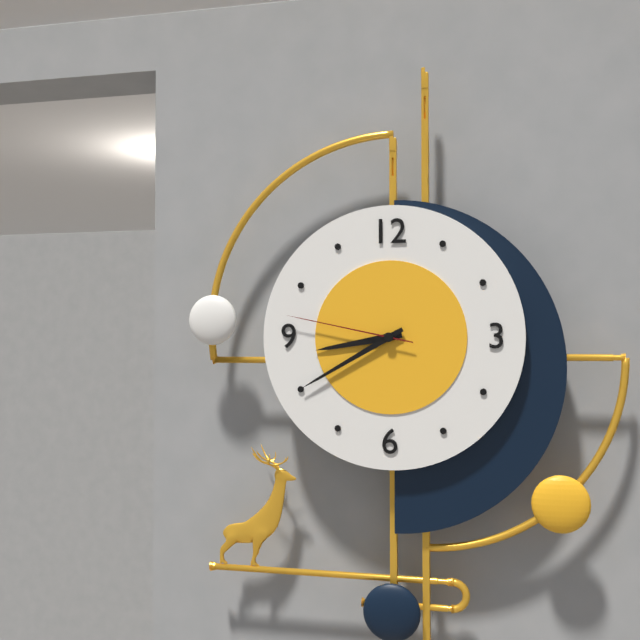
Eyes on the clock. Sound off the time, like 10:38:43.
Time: 8:40:47
